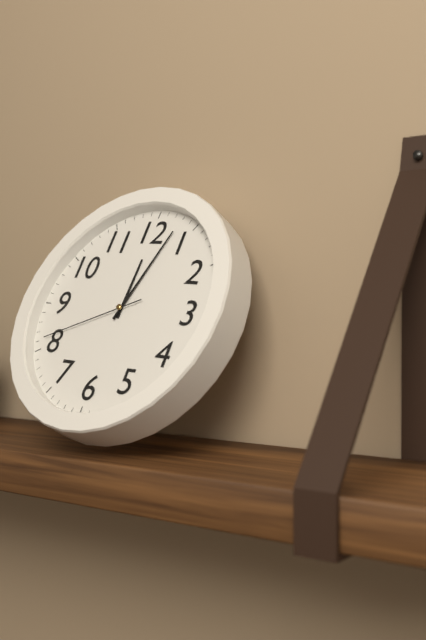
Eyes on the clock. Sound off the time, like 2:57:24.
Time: 12:03:41
